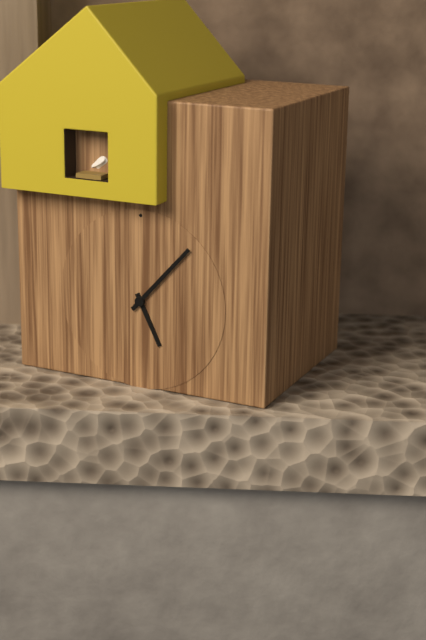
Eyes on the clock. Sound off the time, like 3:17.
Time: 5:07
